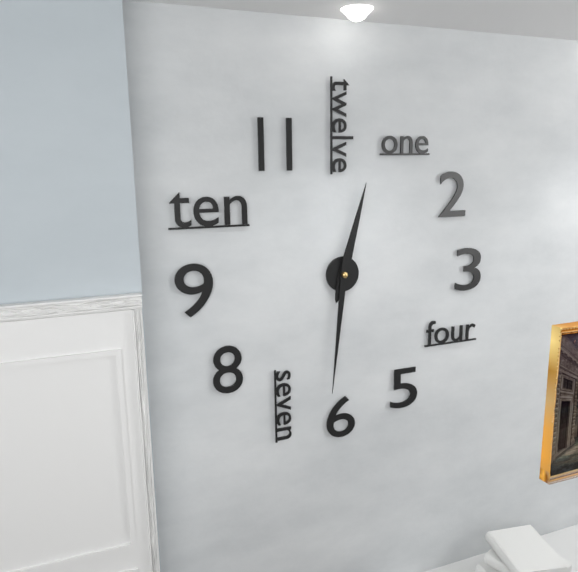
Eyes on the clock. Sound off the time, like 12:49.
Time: 12:31
